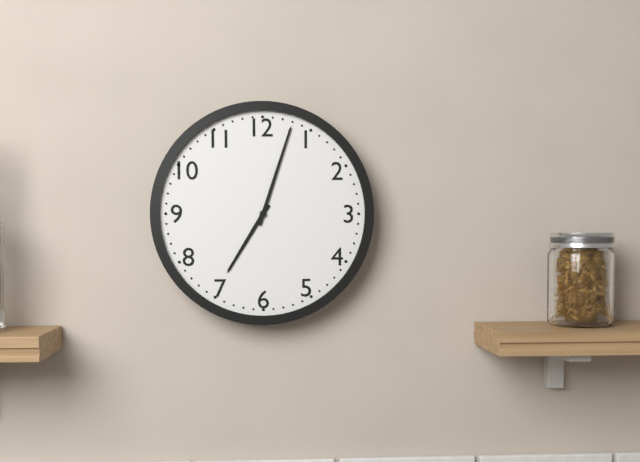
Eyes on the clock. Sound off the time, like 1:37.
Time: 7:03
